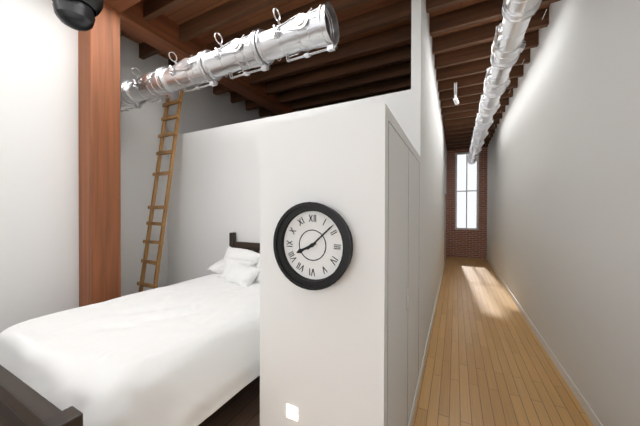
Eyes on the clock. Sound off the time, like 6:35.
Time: 8:08
